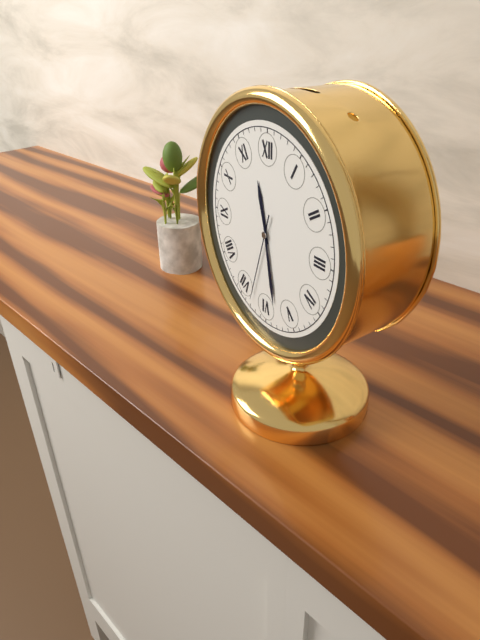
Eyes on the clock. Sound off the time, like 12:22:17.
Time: 11:28:33
